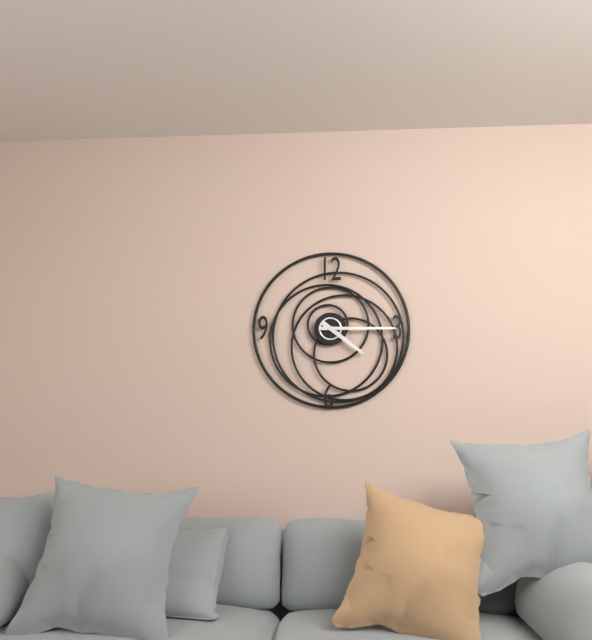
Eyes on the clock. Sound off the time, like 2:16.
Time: 4:15
